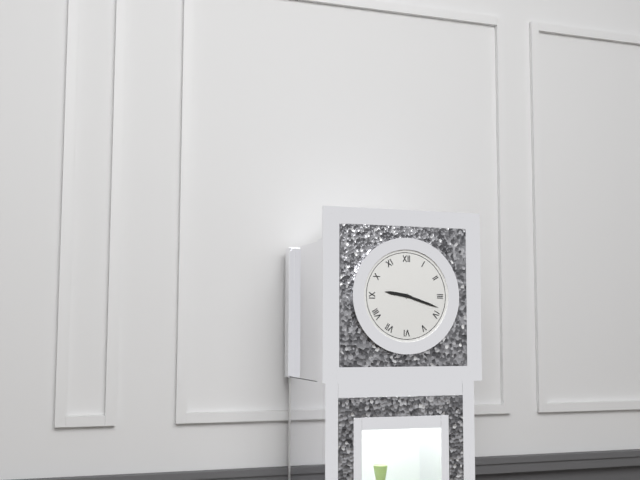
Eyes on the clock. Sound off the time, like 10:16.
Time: 9:18
